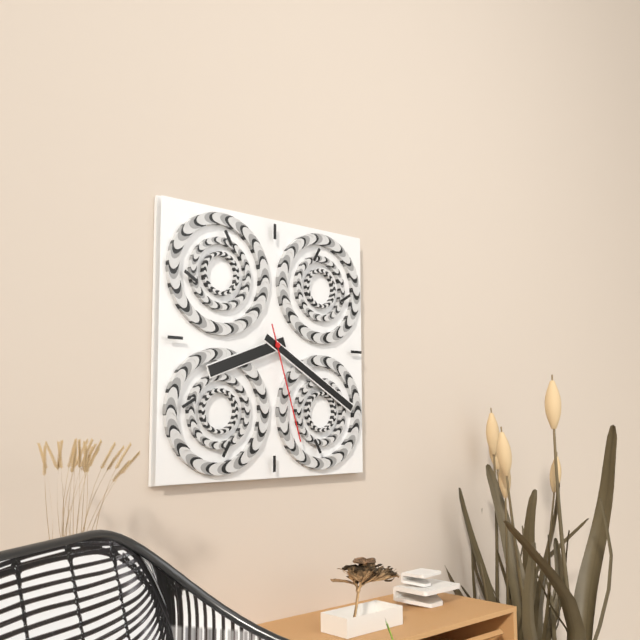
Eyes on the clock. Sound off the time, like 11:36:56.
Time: 8:20:27
